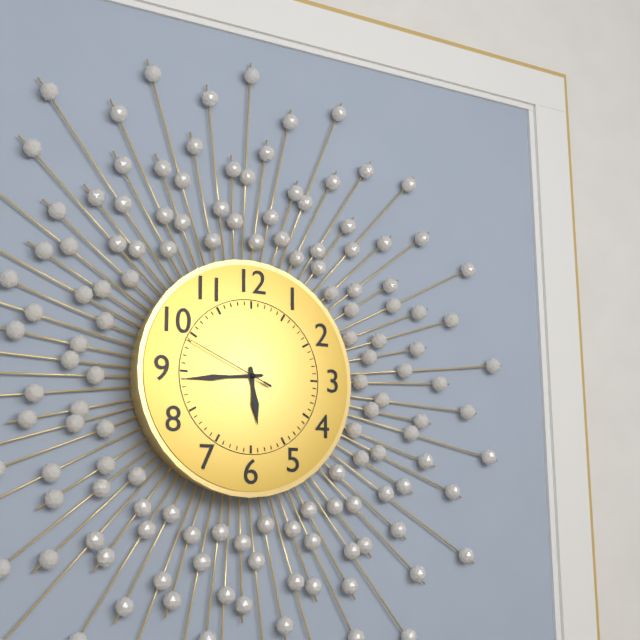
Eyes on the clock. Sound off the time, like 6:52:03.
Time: 5:44:49
